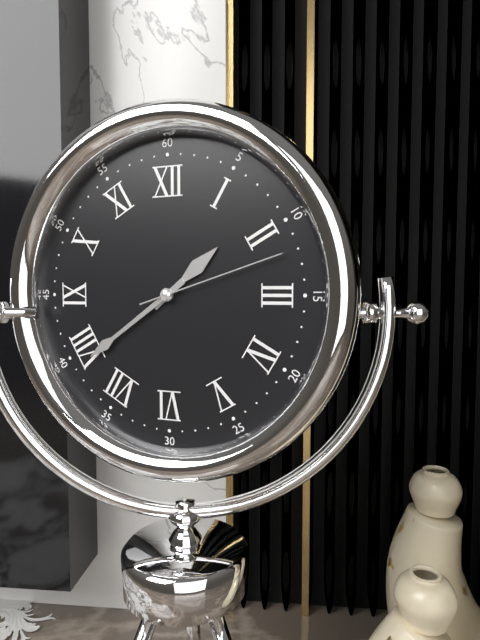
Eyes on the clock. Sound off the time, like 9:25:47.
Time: 1:39:12
